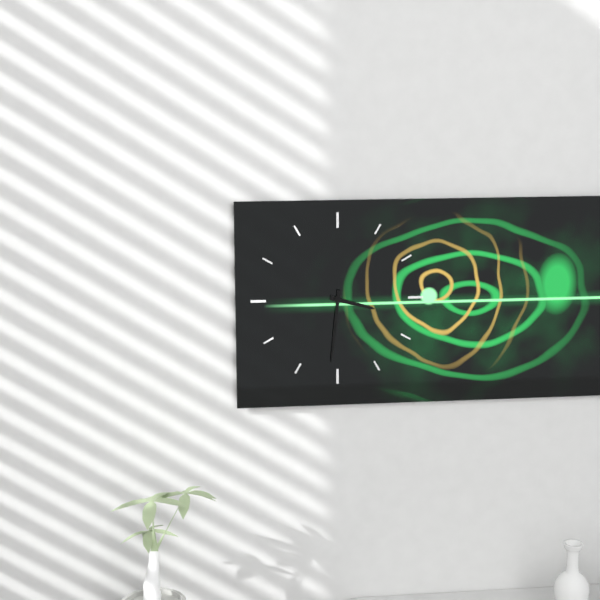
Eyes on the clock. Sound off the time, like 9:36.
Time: 3:31
